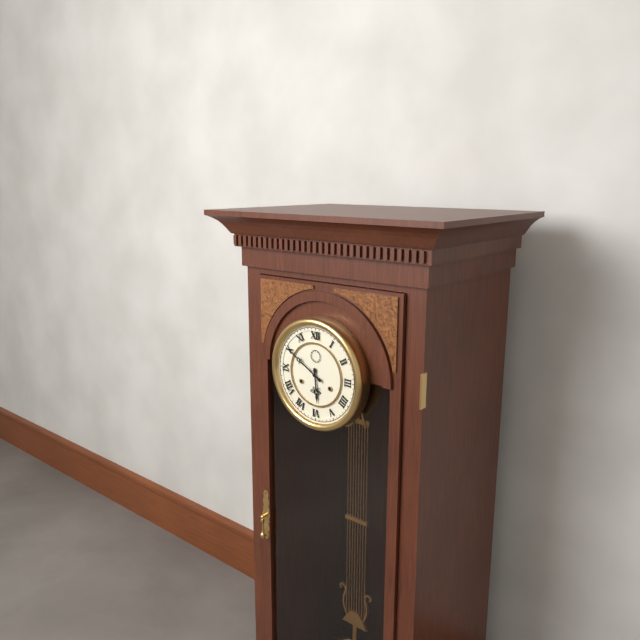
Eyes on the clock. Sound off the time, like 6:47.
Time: 5:50
